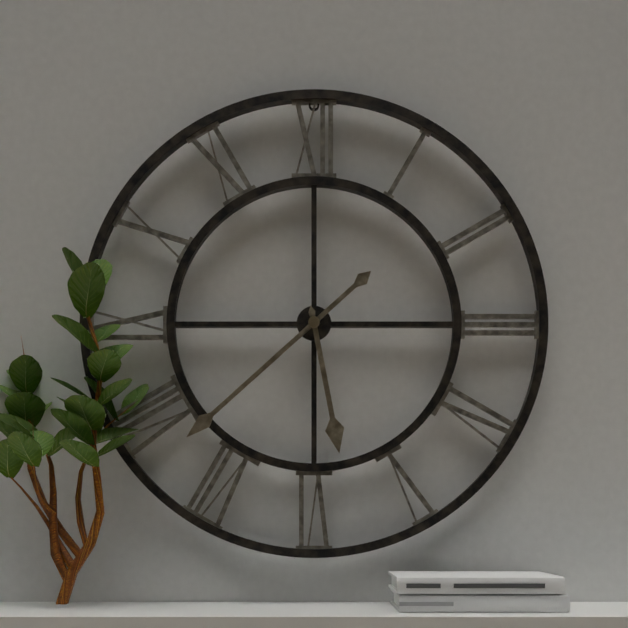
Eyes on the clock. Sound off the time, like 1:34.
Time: 5:38
